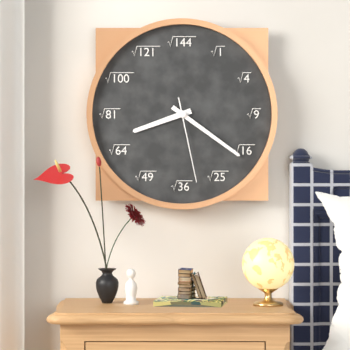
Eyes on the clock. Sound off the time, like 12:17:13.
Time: 8:21:28
